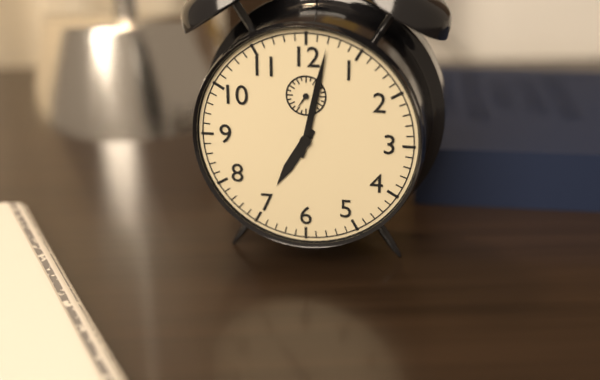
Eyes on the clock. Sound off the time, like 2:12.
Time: 7:02
